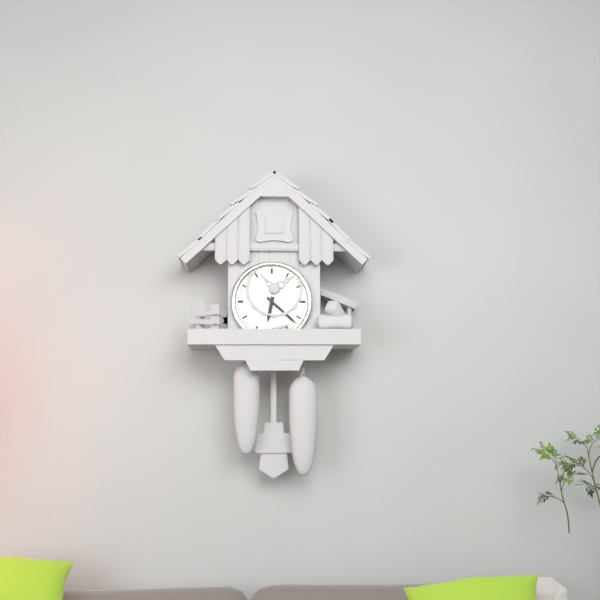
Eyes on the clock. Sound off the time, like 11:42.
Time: 6:22
